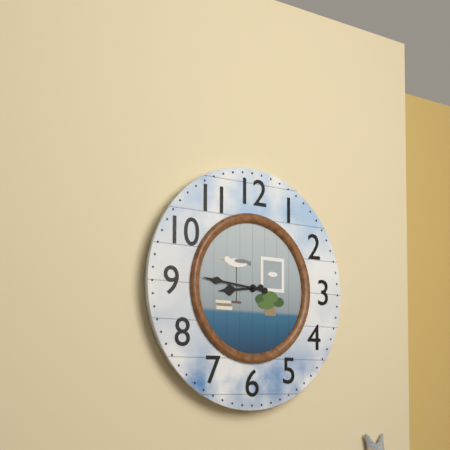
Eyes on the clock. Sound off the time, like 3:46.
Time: 8:46
